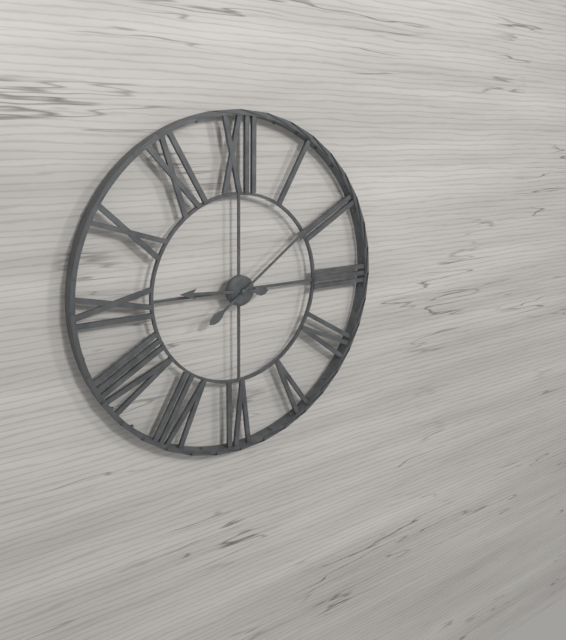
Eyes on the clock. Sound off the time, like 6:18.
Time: 9:09
